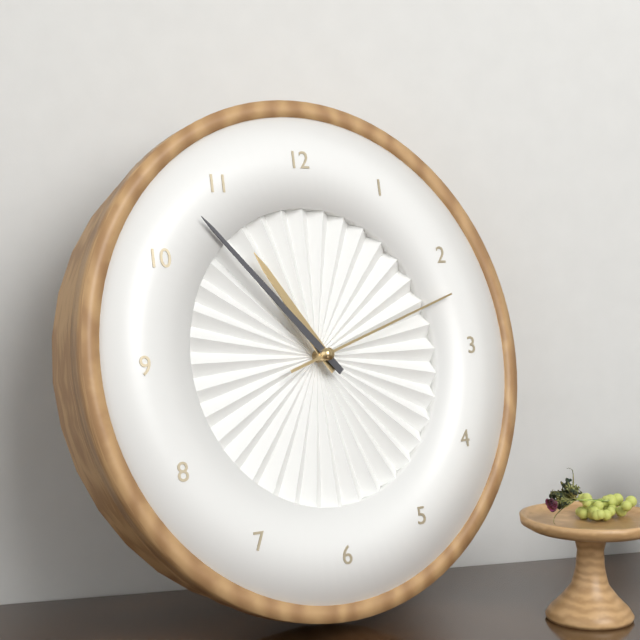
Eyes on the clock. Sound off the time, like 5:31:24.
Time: 10:53:12
